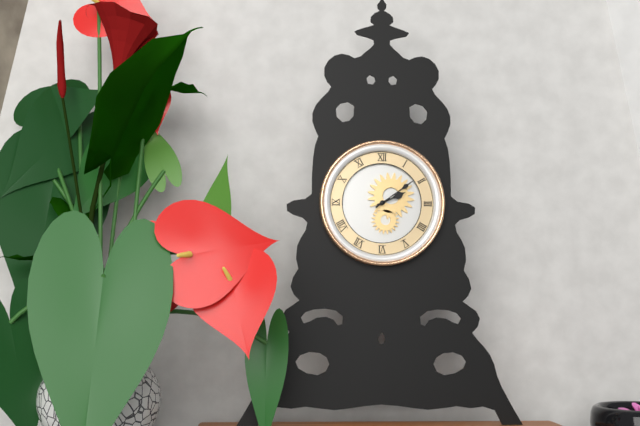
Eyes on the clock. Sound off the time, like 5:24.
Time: 2:09
